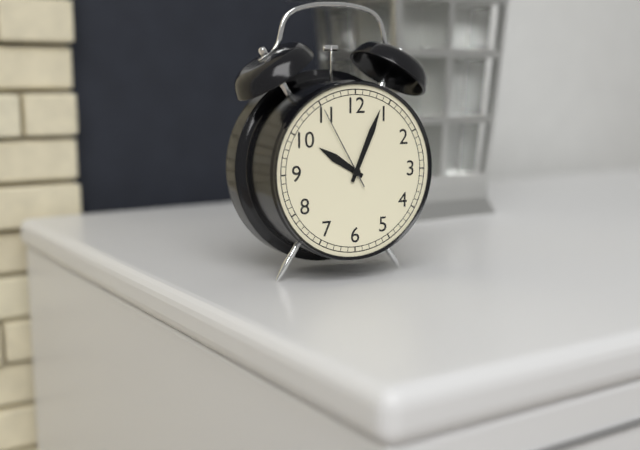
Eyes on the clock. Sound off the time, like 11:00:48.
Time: 10:04:55
